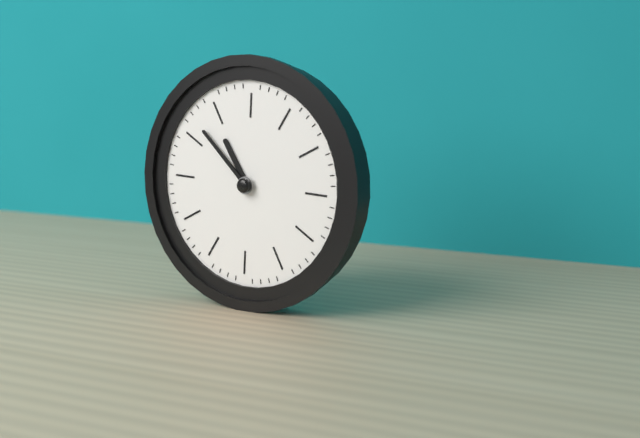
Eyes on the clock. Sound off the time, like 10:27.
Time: 10:52
